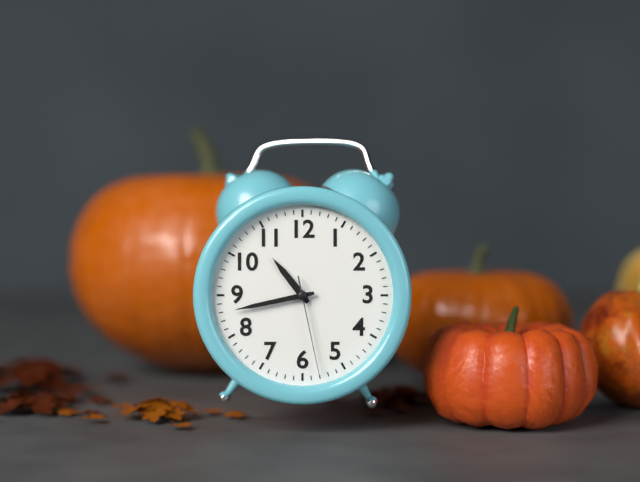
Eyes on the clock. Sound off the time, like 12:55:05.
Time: 10:43:28
